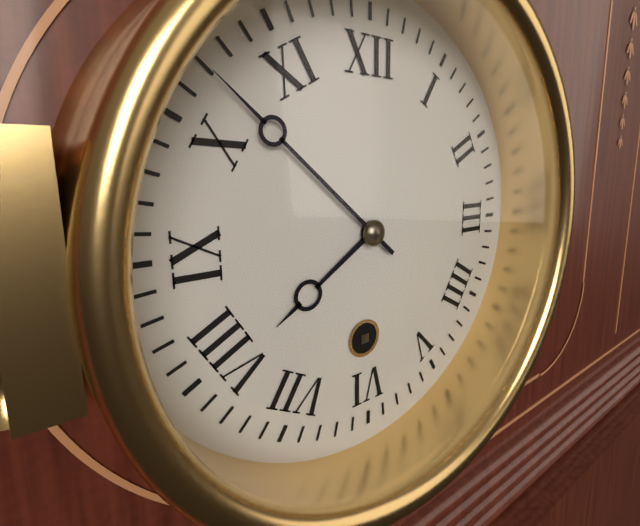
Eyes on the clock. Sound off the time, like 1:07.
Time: 7:52
